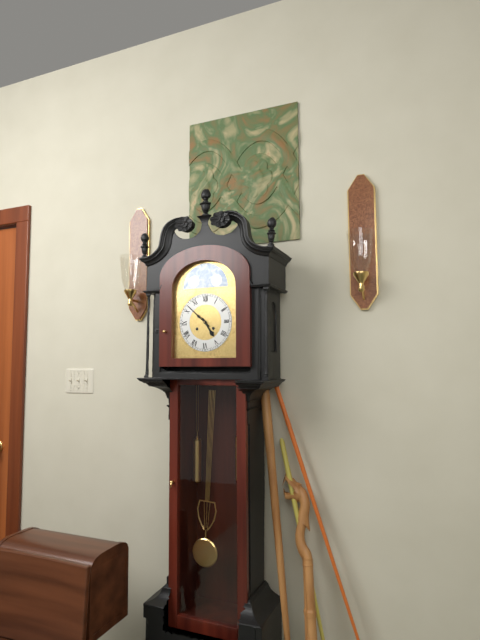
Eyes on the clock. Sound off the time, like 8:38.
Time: 4:52
